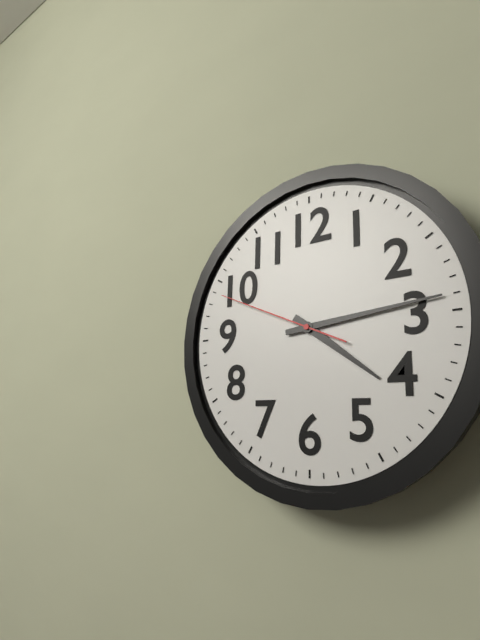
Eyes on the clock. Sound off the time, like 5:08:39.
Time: 4:14:49
